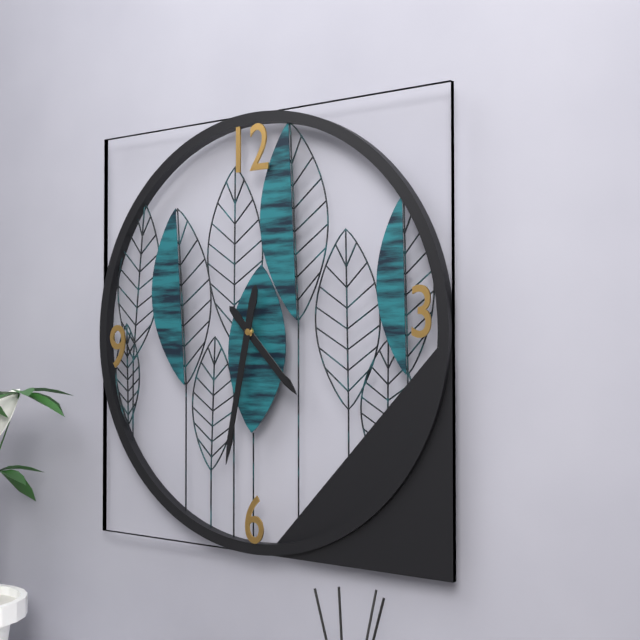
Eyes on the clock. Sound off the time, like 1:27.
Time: 4:32
